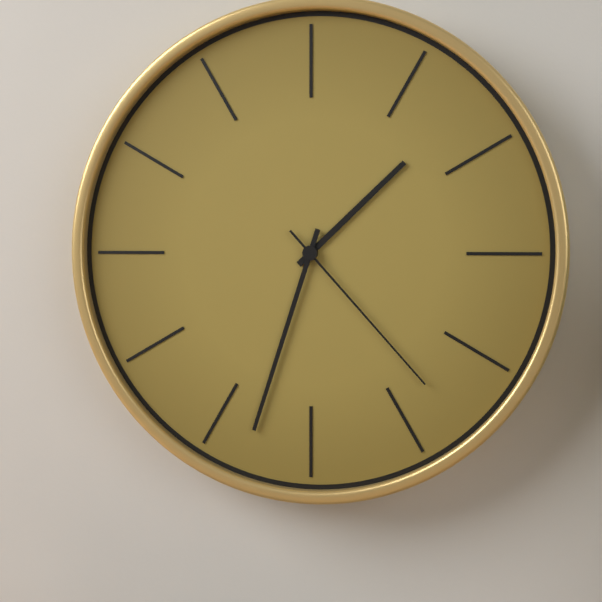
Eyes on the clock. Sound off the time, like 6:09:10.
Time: 1:33:23
